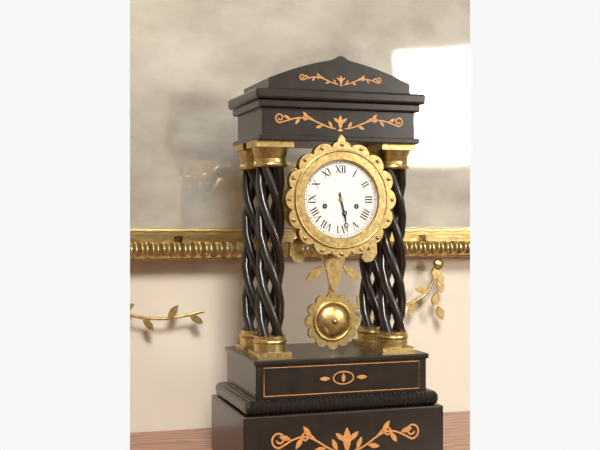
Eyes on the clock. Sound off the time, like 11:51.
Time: 5:28
